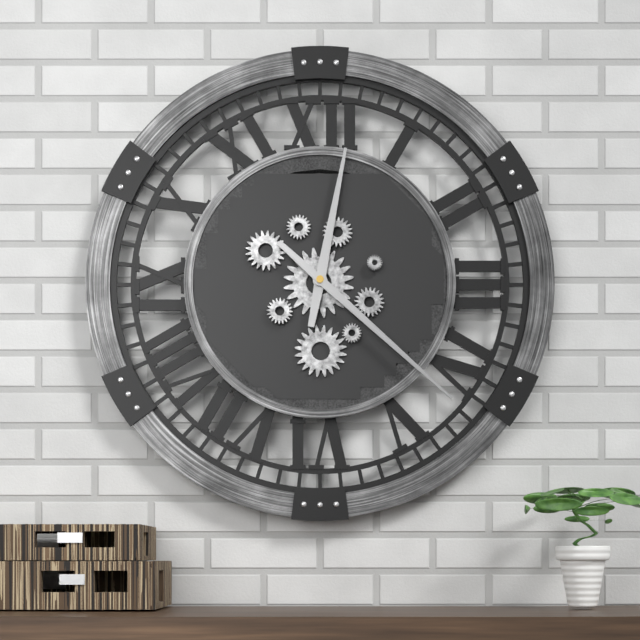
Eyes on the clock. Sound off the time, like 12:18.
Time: 12:22
